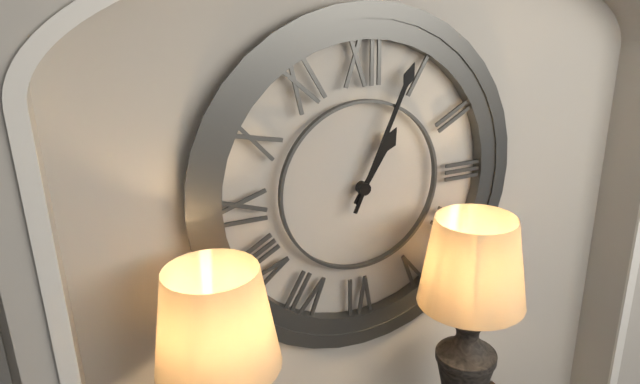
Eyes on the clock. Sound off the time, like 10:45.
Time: 1:04
